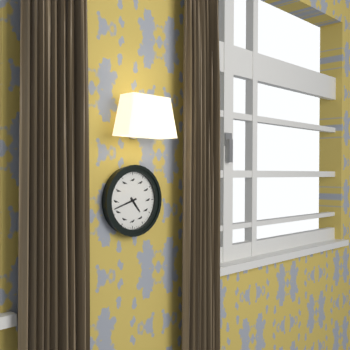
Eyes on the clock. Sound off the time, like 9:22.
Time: 4:42
